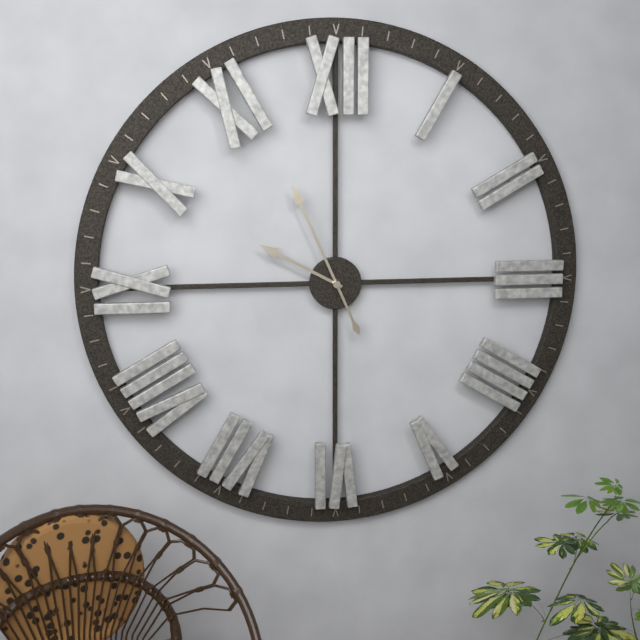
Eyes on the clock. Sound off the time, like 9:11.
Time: 9:56
